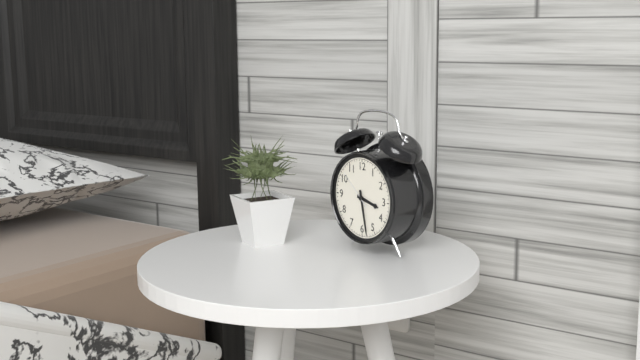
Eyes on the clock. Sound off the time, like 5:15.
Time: 3:28
